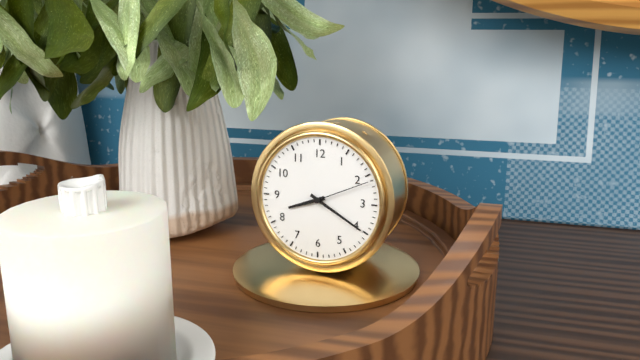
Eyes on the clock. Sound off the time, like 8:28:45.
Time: 8:20:11
